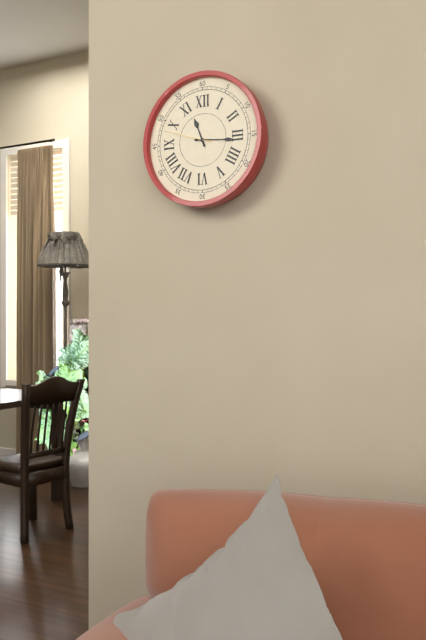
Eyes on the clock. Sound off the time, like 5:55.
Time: 11:16
